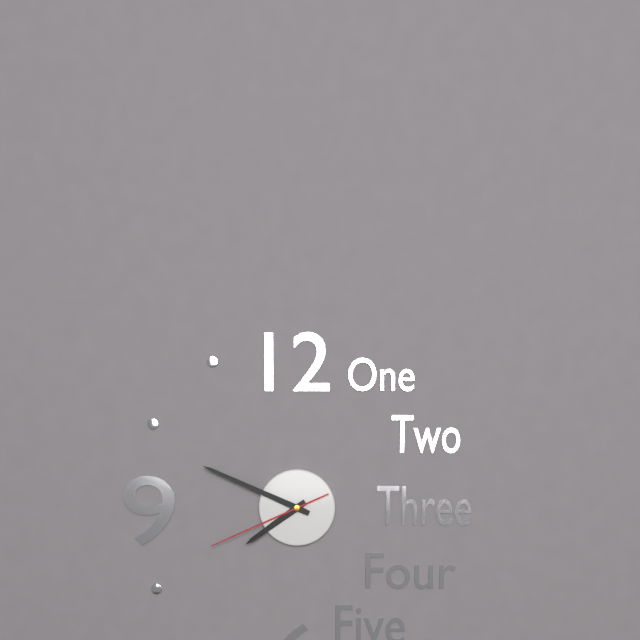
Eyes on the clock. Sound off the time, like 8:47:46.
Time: 7:49:41
